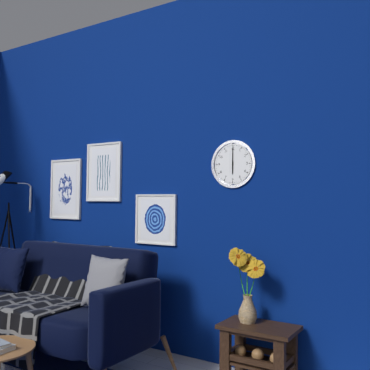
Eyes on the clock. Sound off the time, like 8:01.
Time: 6:00
